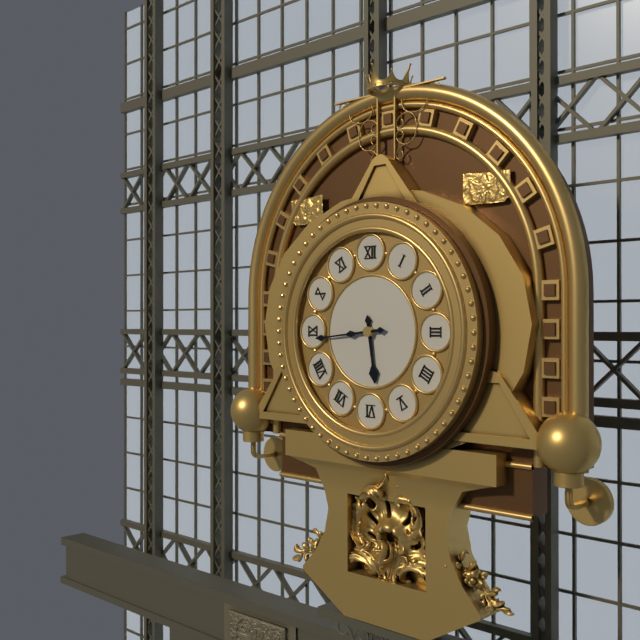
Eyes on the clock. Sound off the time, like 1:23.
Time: 5:44
